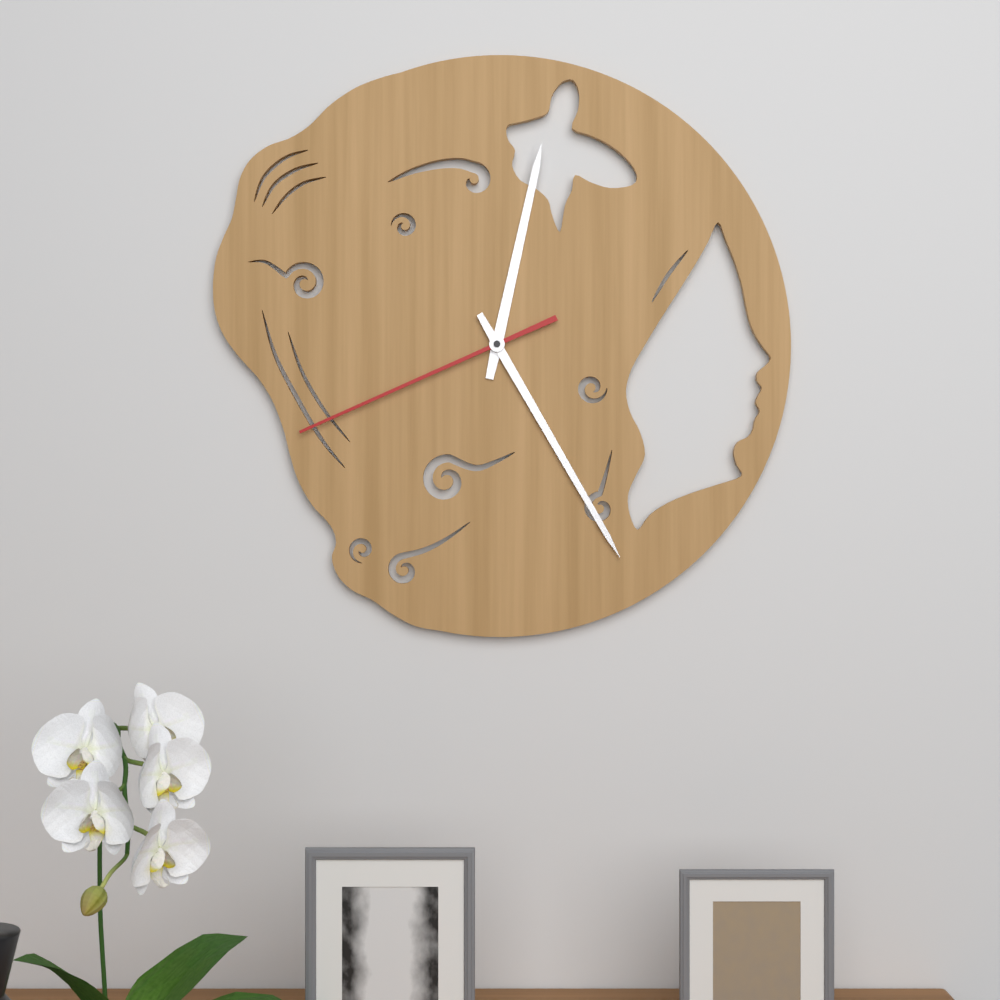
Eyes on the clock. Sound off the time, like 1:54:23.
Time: 12:25:41
